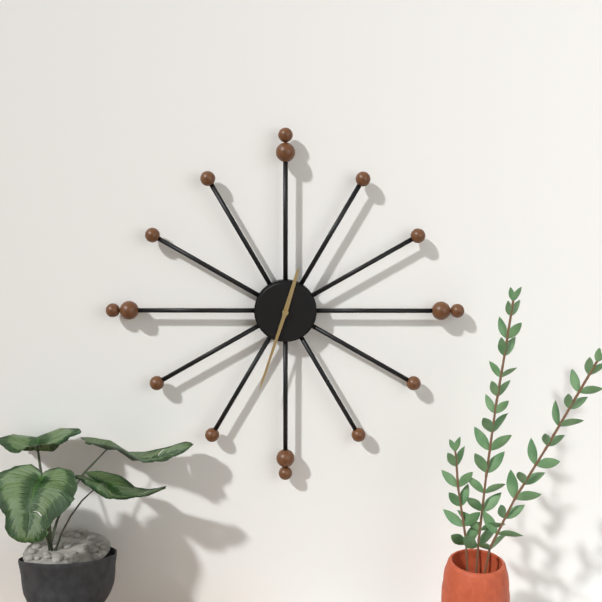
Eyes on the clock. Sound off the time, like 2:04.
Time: 12:33
